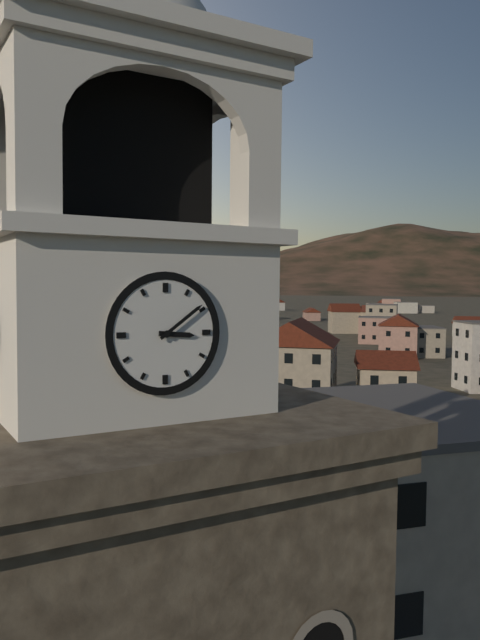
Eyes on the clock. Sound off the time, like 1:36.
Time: 3:09
